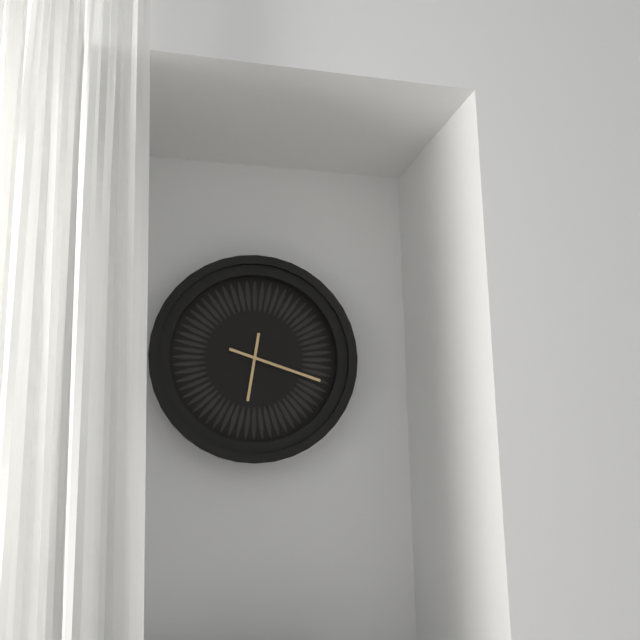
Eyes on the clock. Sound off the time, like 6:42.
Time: 6:18
